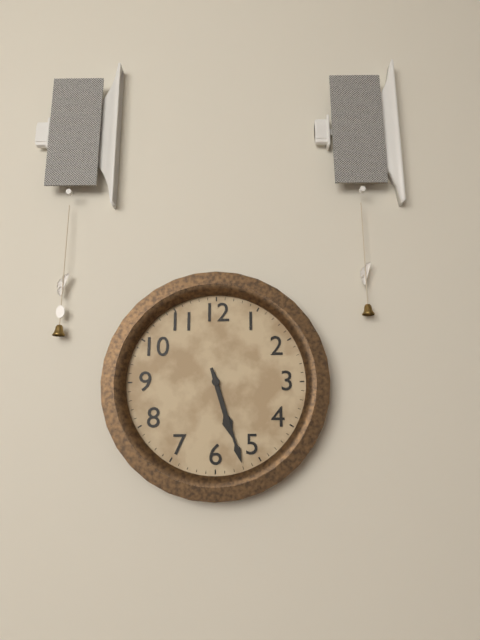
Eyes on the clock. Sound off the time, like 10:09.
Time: 5:27
